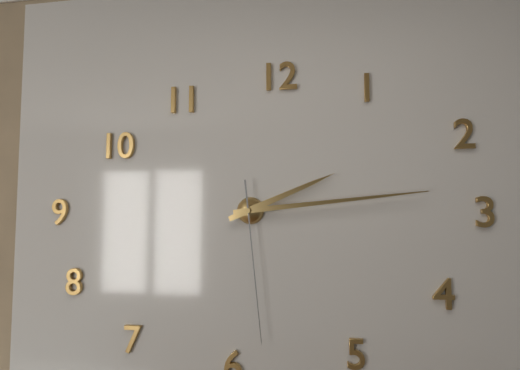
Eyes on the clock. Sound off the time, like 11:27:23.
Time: 2:14:29
